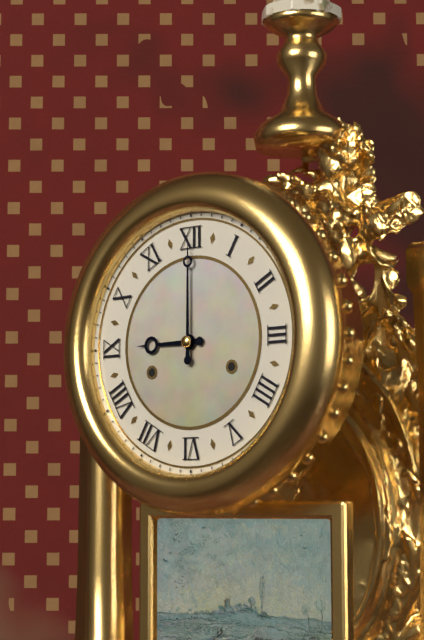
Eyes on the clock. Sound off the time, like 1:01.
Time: 9:00
